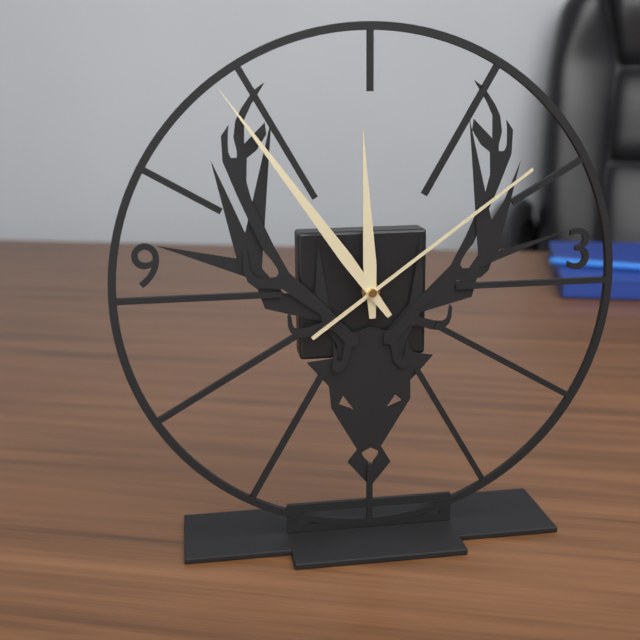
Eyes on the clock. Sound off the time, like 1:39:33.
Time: 11:54:09
